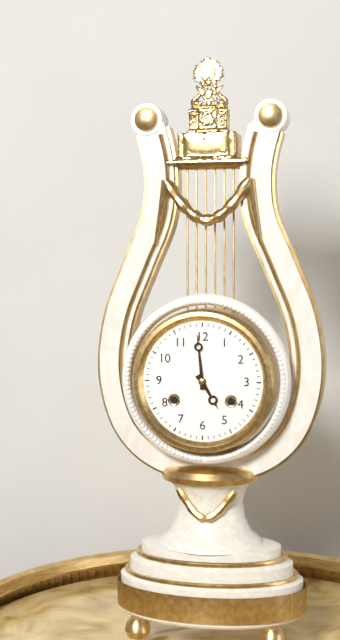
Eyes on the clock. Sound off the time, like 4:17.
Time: 4:59
